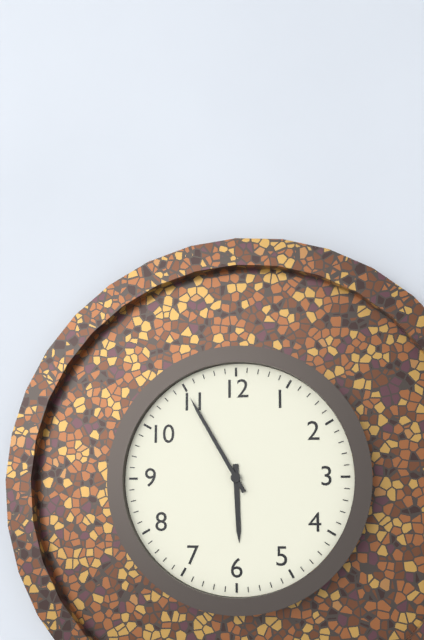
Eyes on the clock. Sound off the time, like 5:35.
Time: 5:55
